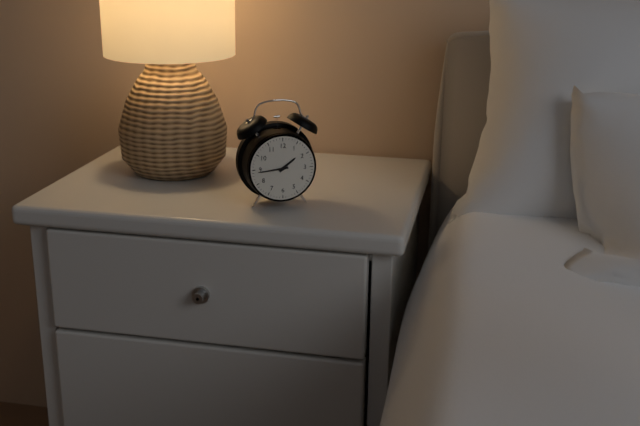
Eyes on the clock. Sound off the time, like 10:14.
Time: 1:44
